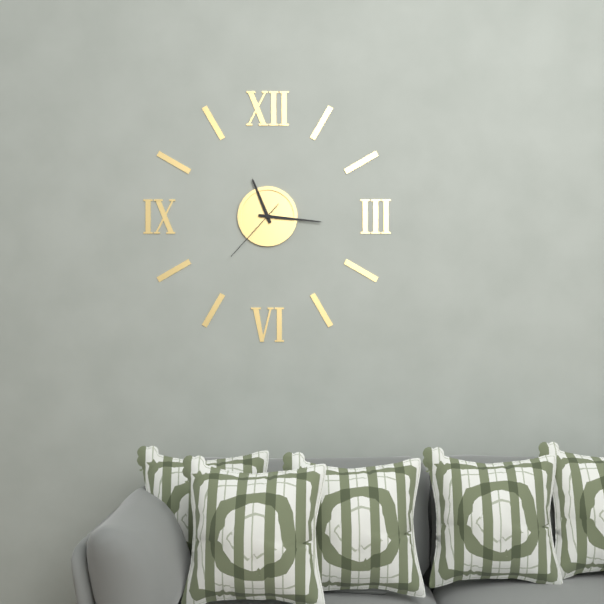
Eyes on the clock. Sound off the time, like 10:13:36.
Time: 11:16:37
